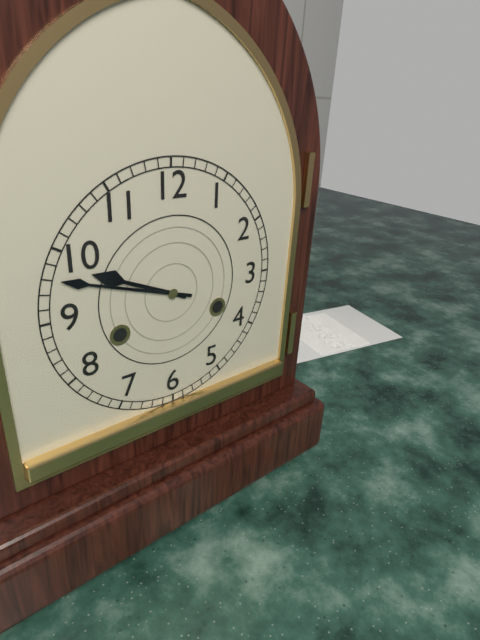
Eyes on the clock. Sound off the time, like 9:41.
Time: 9:48
